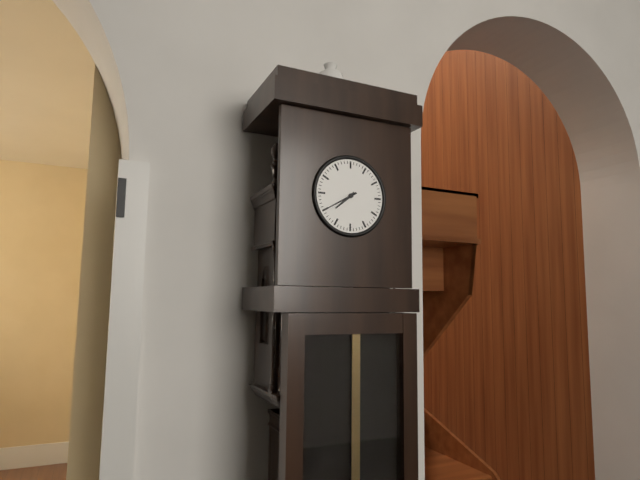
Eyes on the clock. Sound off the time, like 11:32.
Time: 7:40
